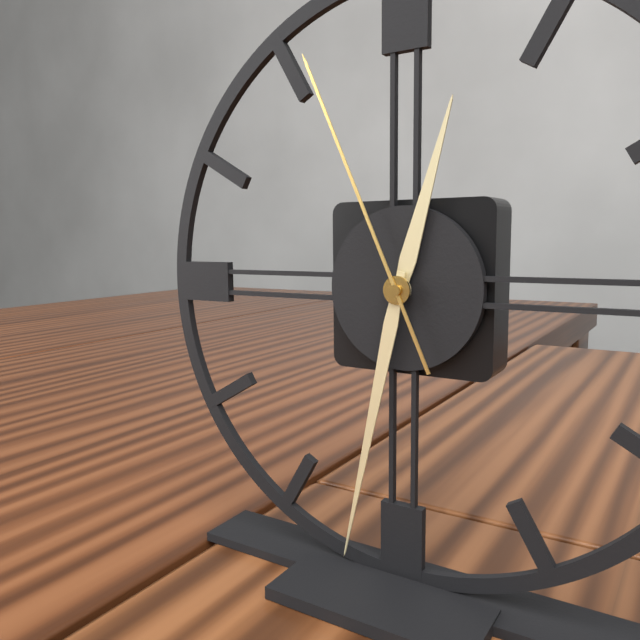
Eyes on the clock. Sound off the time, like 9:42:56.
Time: 12:32:56
